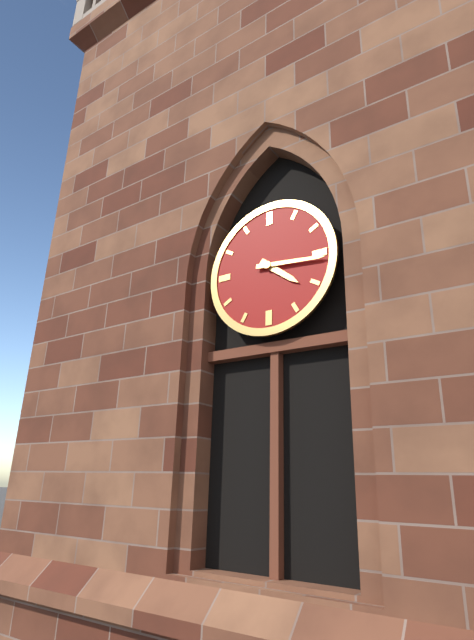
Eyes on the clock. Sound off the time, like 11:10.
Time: 4:16
